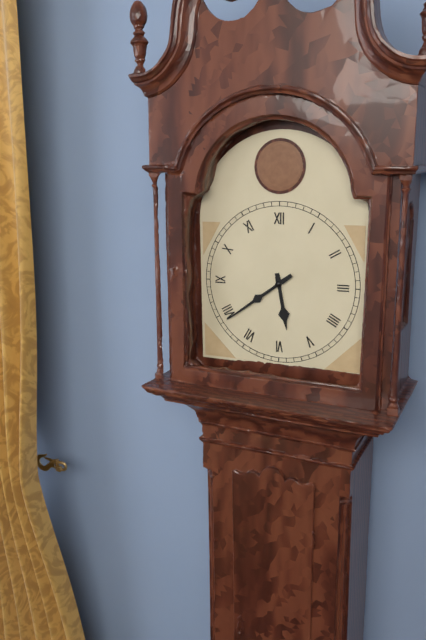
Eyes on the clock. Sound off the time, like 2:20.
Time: 5:39
